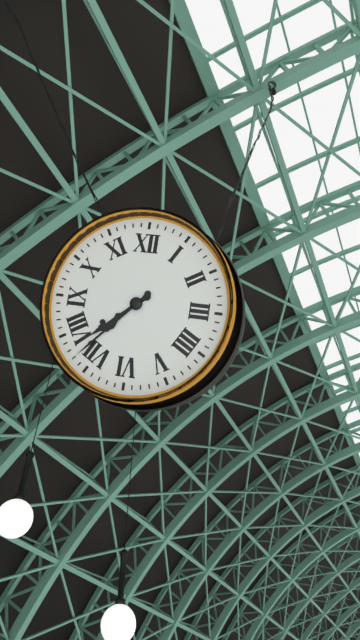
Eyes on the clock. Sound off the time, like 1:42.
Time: 7:37
